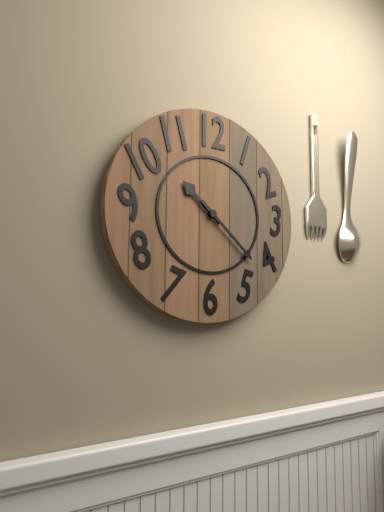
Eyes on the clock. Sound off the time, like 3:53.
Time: 10:22
